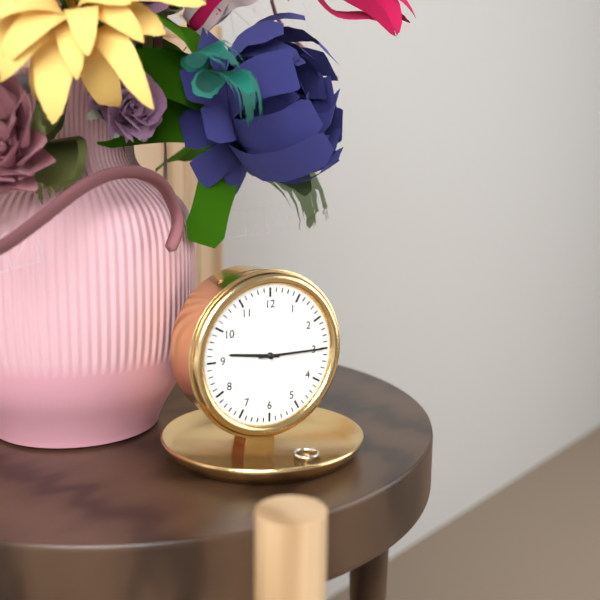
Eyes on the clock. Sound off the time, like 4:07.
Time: 9:15
